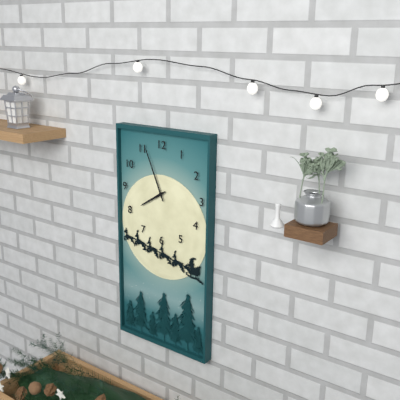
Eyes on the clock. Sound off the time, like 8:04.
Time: 7:56
